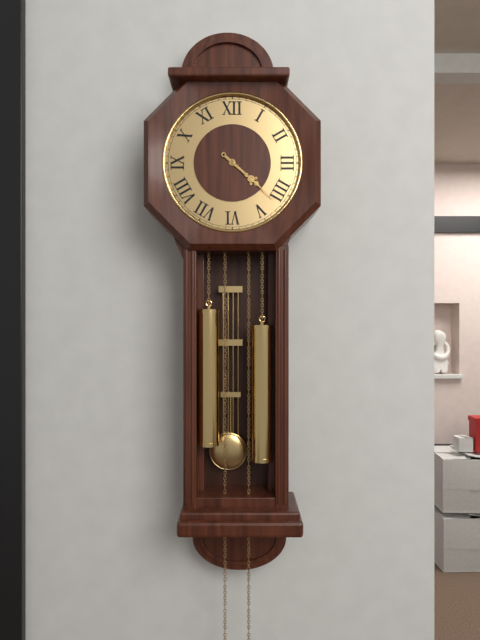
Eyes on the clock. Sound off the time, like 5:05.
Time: 4:22
